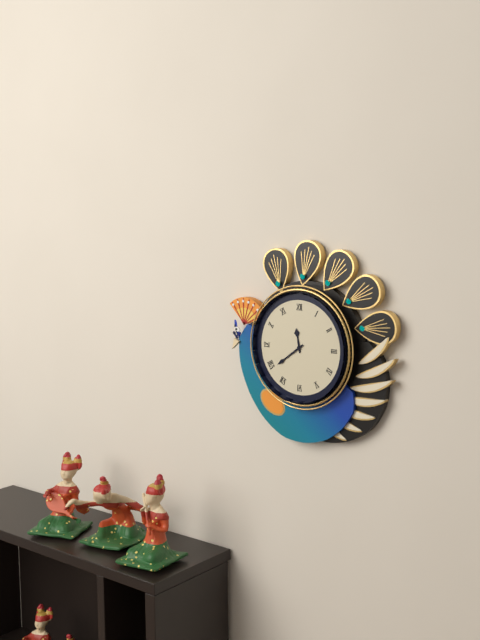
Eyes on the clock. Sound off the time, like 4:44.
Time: 11:39
